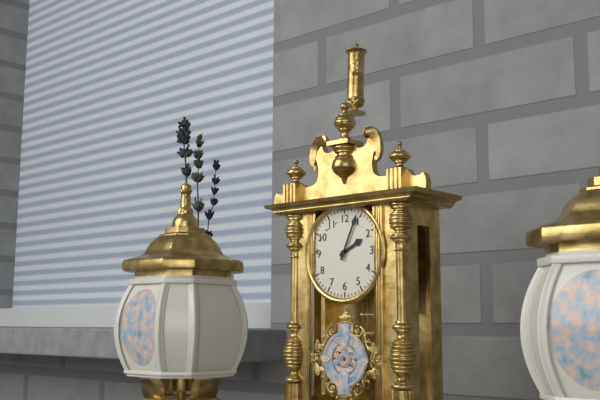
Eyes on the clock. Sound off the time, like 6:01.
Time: 2:04
